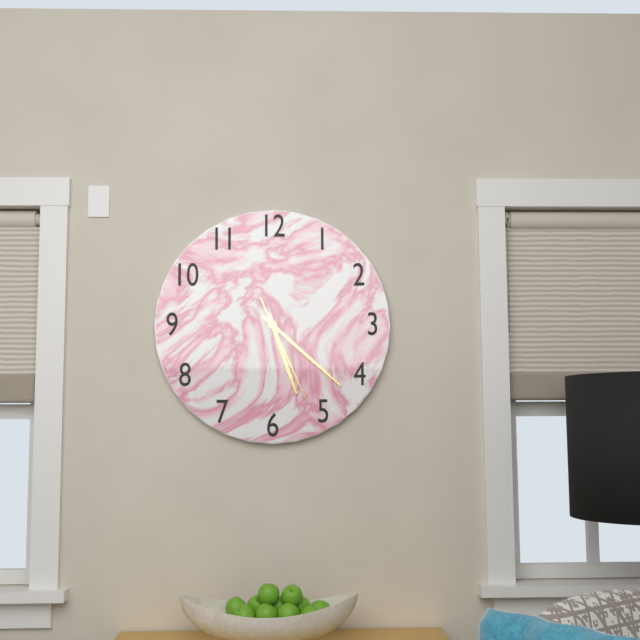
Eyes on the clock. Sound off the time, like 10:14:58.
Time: 5:22:26
